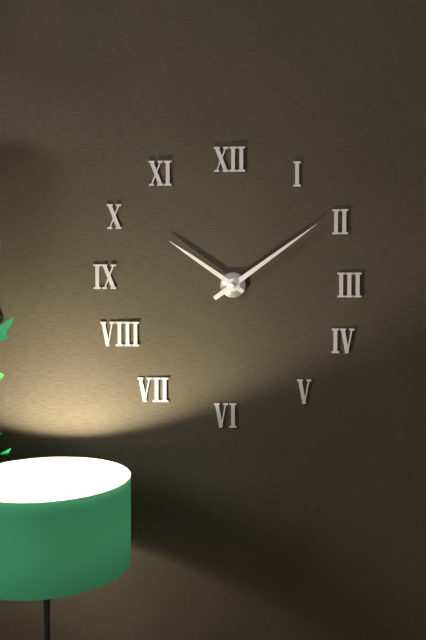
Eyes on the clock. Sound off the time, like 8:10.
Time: 10:09
